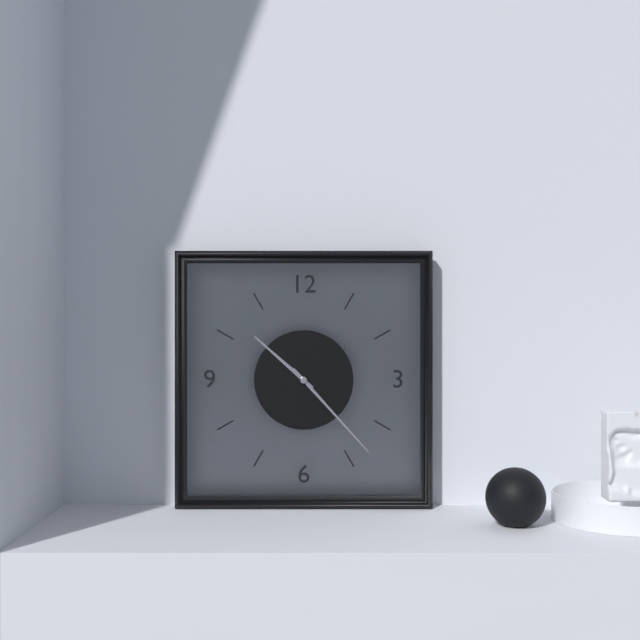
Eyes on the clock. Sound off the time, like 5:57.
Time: 10:23
